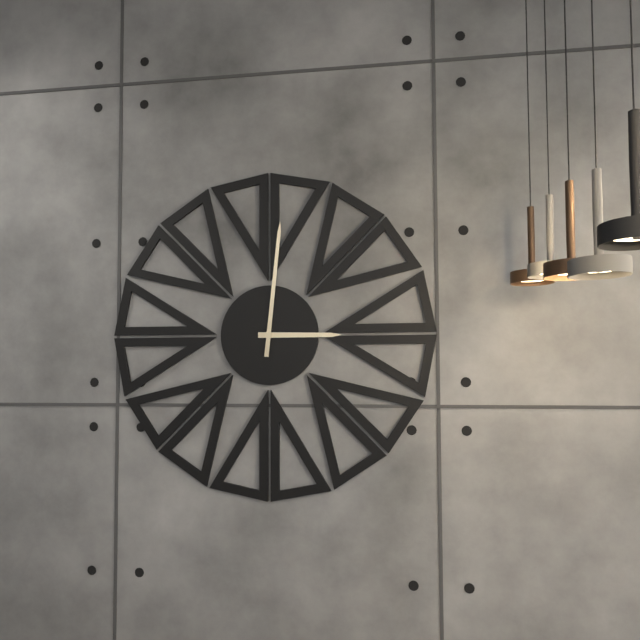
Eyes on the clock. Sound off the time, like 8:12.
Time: 3:01
